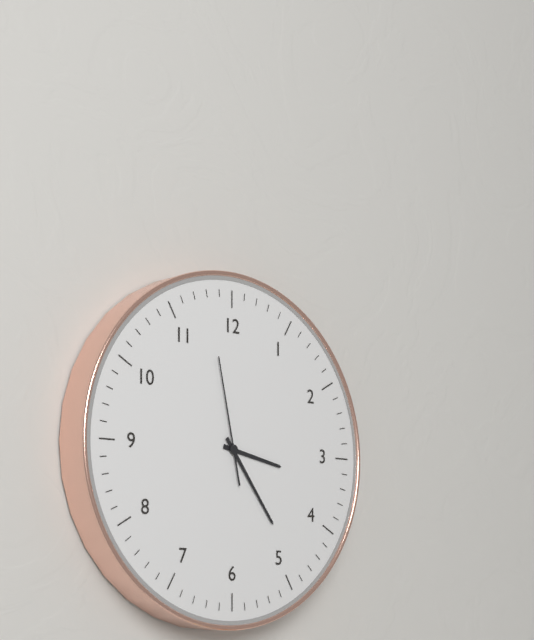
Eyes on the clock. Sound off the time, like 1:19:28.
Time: 3:24:58
